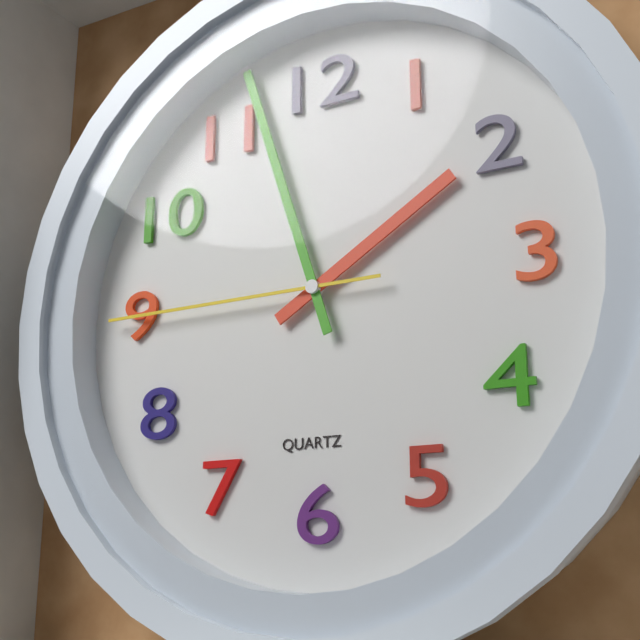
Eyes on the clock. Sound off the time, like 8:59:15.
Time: 1:57:45
